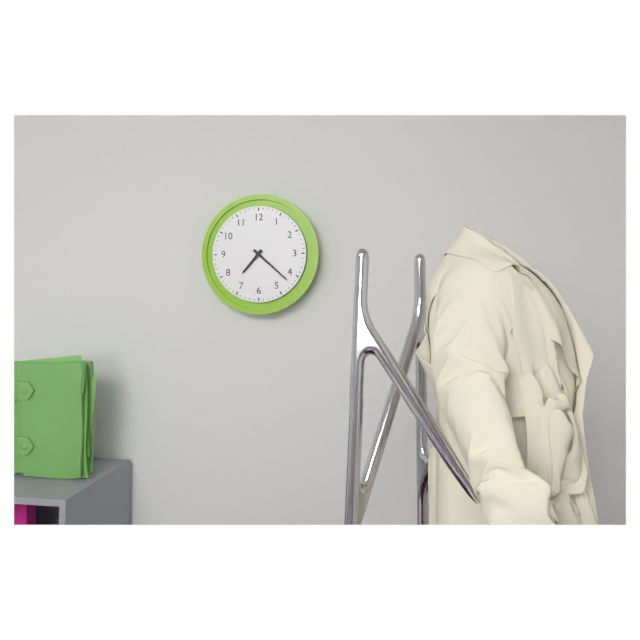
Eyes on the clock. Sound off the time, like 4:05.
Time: 7:22
